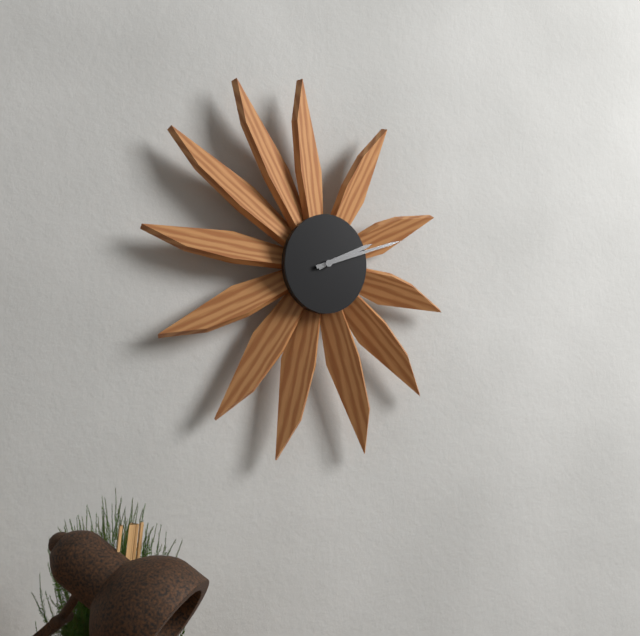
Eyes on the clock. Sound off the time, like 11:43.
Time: 2:12
